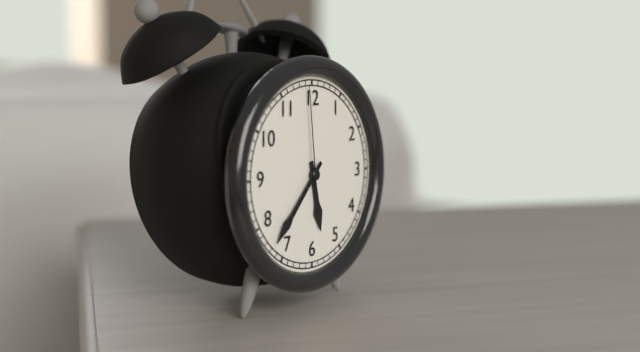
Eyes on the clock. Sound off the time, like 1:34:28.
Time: 5:37:59
